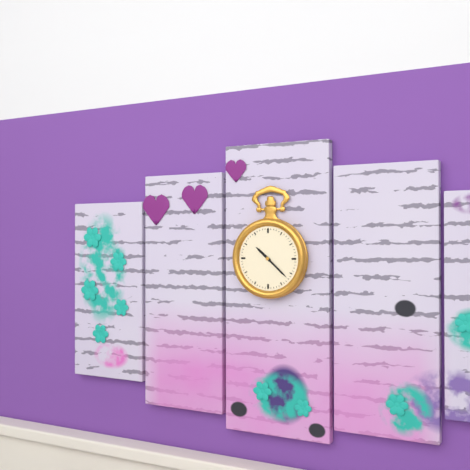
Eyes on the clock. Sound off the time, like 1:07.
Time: 10:22
